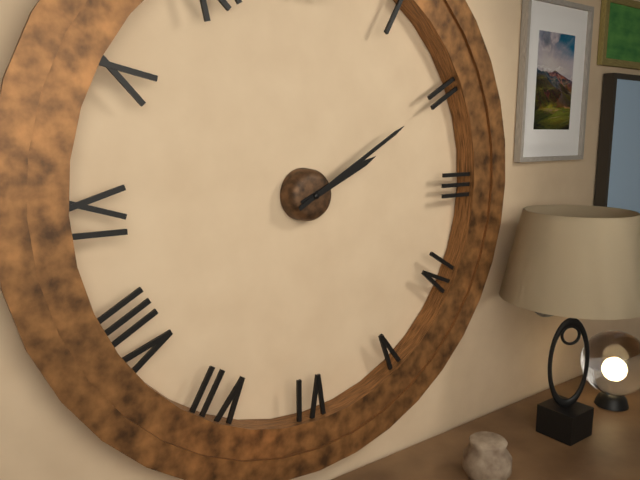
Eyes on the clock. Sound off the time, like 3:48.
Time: 2:10
